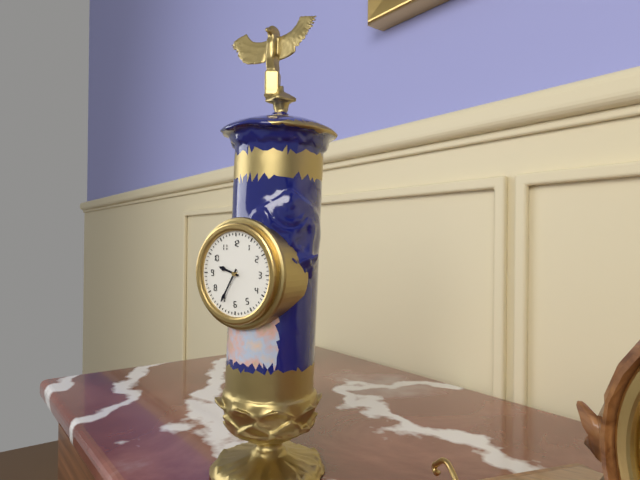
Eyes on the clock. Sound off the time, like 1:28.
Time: 9:35
